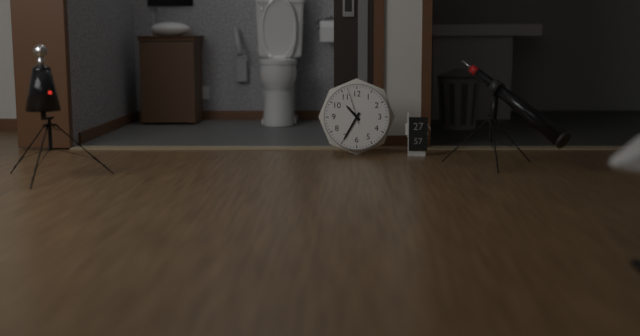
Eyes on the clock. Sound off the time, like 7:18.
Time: 10:35
